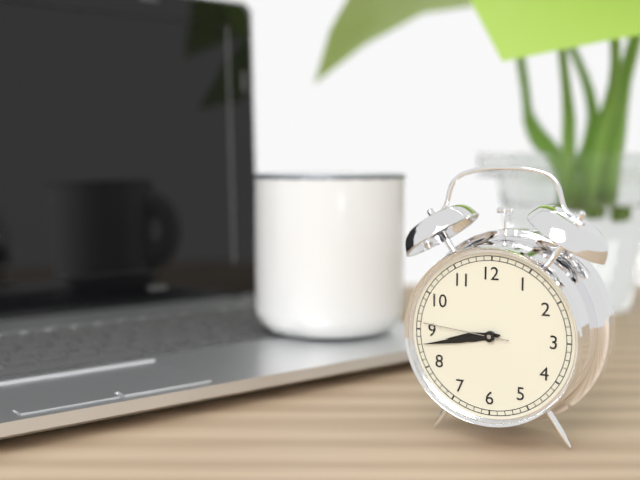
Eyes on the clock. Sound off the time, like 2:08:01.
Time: 8:43:46
